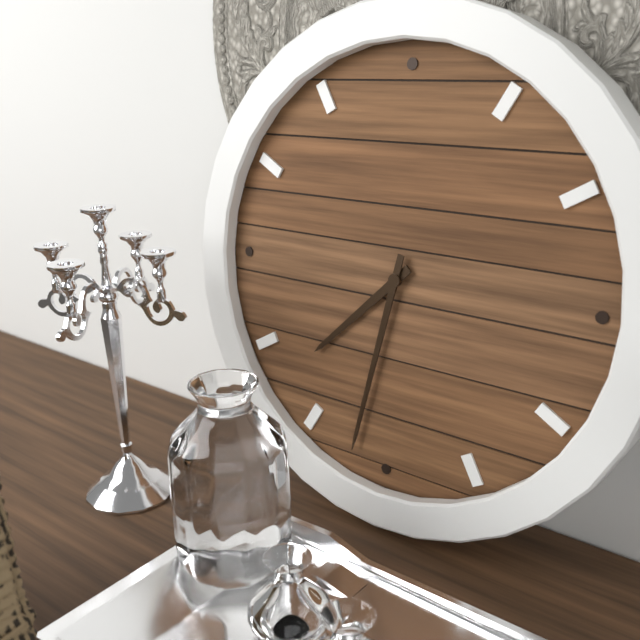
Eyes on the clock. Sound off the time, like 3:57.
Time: 7:32
